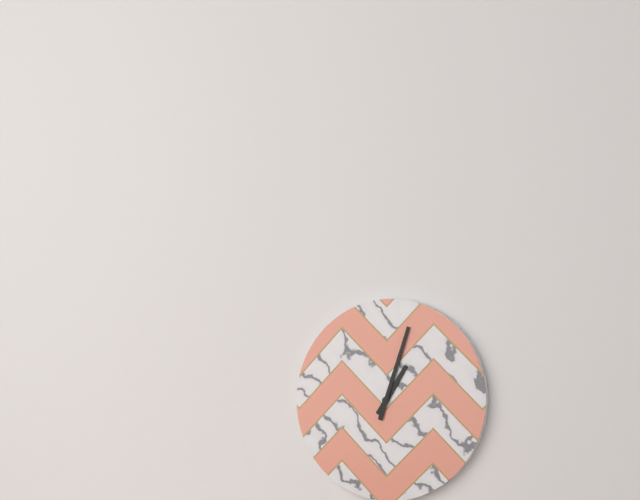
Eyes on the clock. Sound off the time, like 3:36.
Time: 1:03
